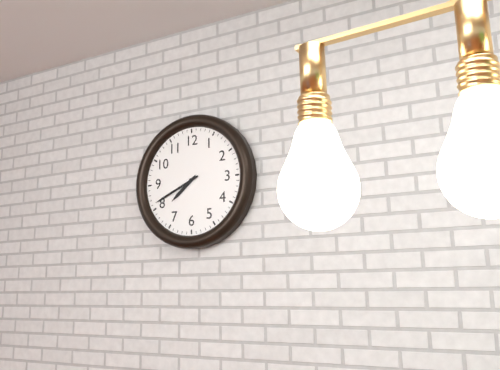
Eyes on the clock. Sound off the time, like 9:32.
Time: 7:41
